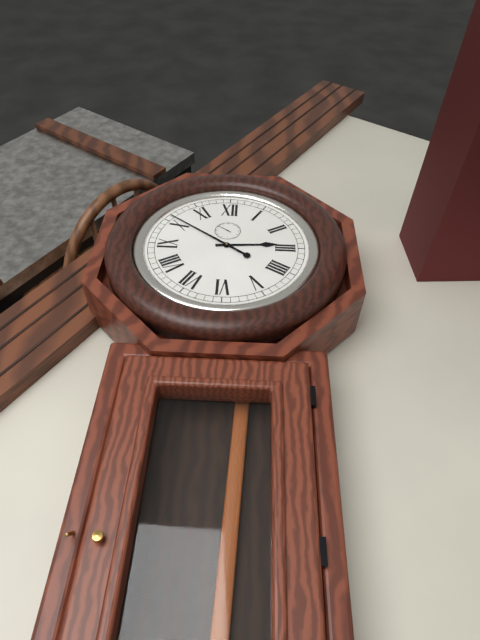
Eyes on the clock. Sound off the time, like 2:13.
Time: 2:51
